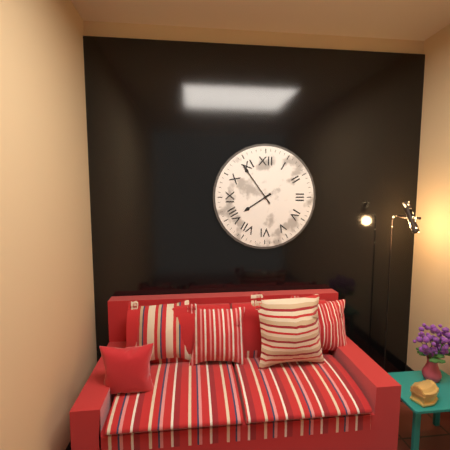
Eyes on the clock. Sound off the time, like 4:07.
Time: 7:54
